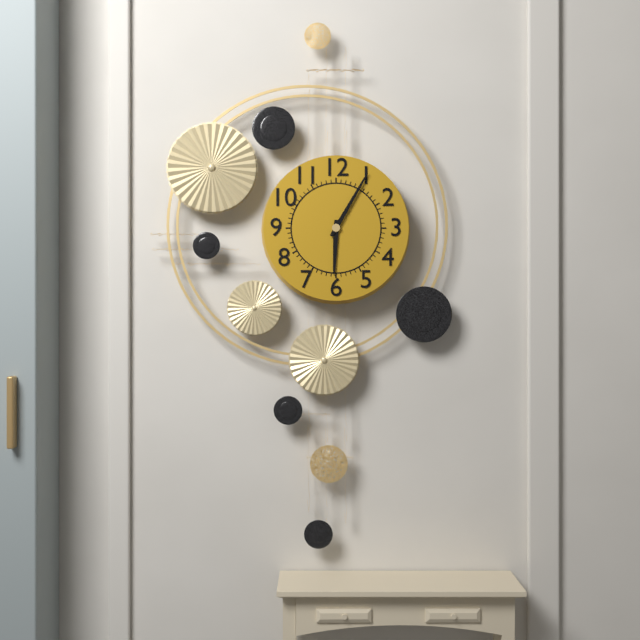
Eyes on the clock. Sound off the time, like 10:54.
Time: 6:05
